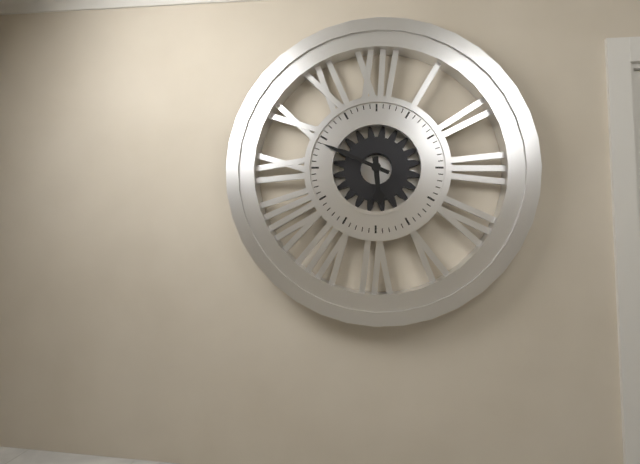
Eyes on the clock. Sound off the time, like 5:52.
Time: 5:49
